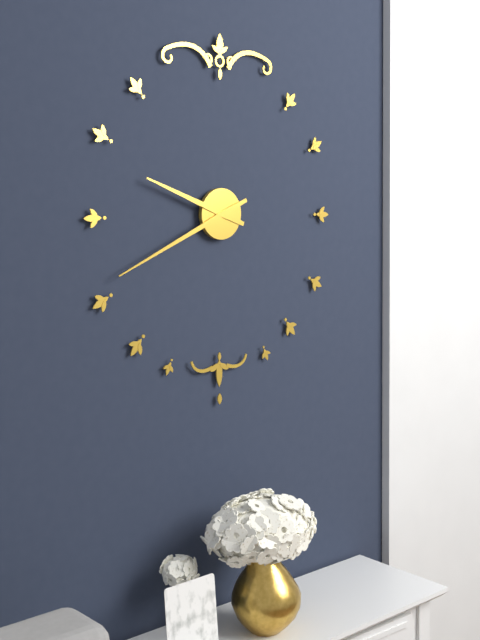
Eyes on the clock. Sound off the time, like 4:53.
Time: 9:41
